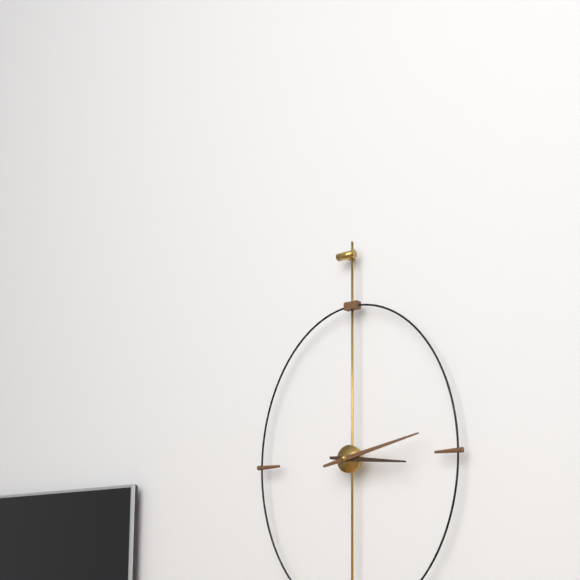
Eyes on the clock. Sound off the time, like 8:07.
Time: 3:13
